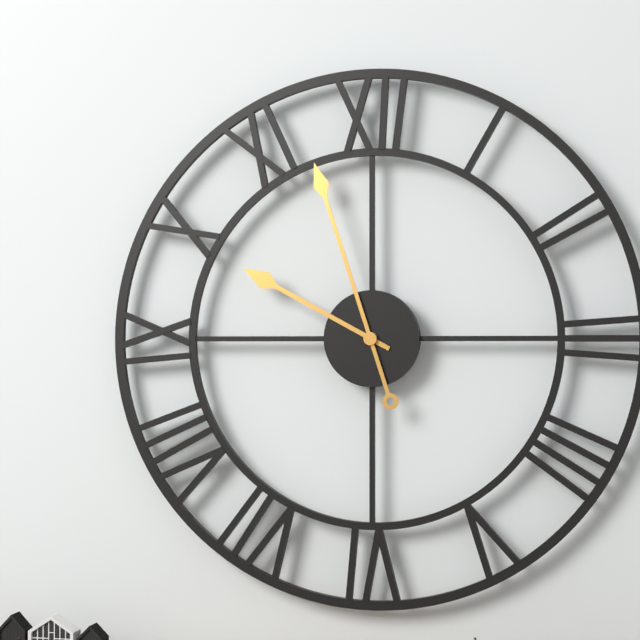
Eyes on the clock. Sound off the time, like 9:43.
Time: 9:57
